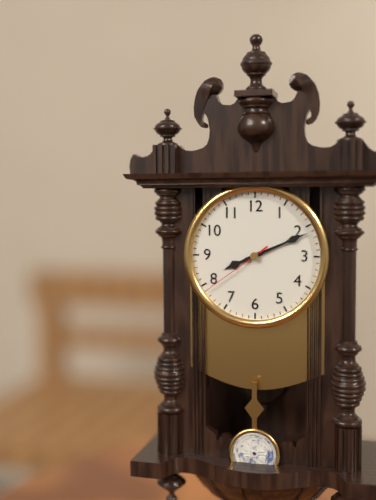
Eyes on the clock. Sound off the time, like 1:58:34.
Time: 8:11:39
